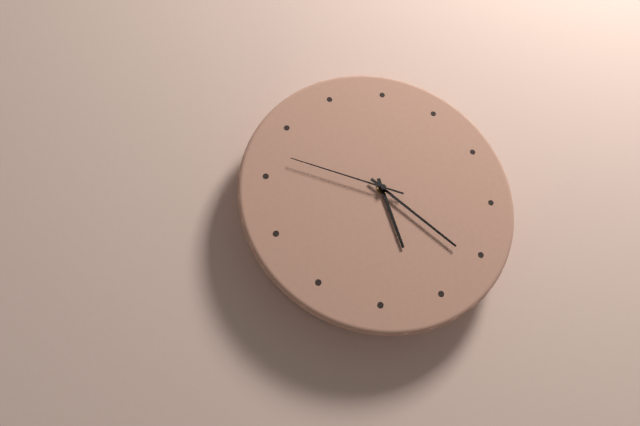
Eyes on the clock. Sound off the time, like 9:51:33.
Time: 5:21:47
